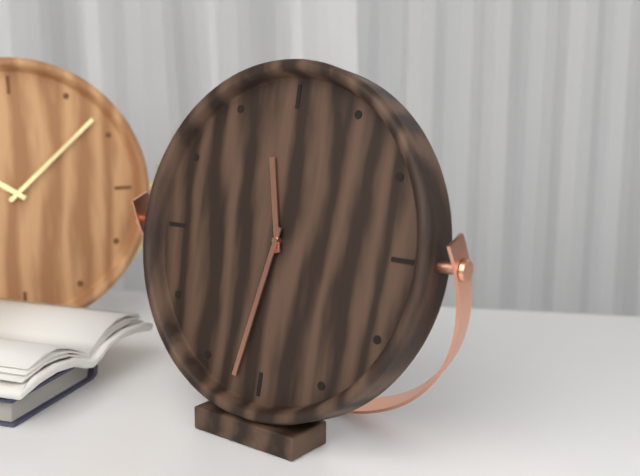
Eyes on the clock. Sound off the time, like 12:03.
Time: 11:32
